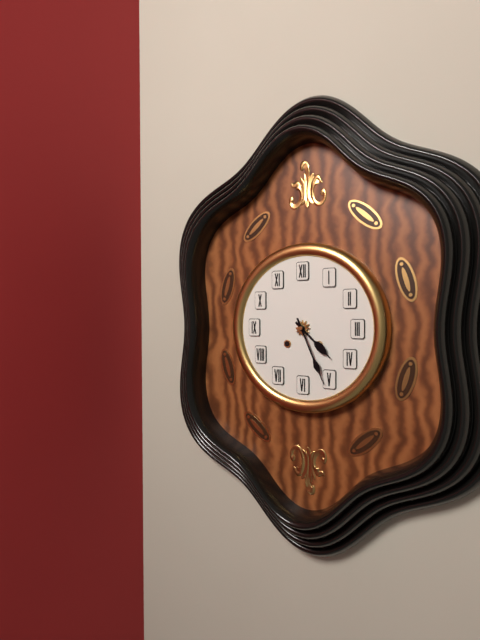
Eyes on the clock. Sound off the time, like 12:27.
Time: 4:26
